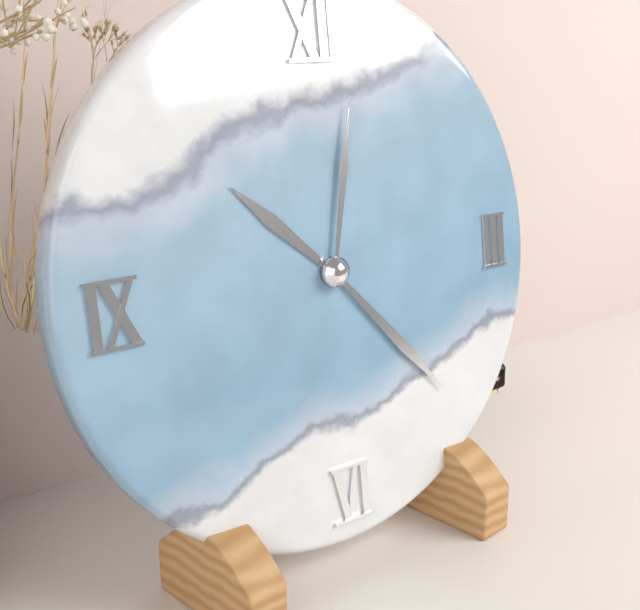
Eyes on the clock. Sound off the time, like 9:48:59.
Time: 10:23:02
